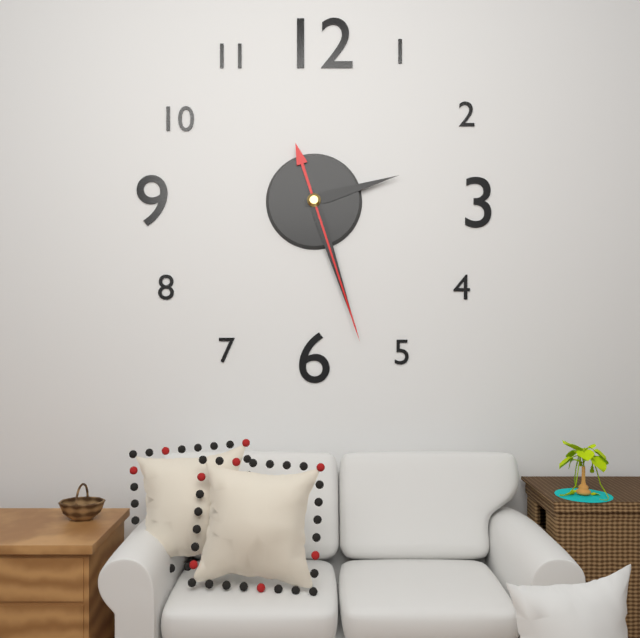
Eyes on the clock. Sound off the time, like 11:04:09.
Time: 2:27:27
